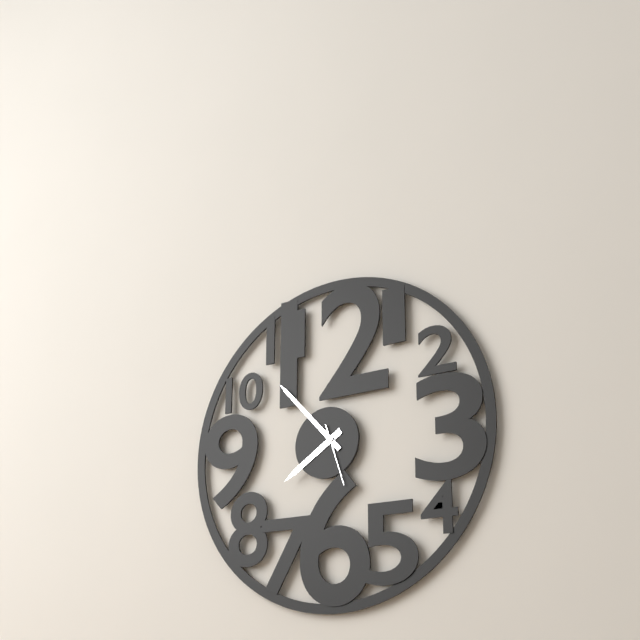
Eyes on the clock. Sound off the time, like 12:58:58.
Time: 7:53:27
